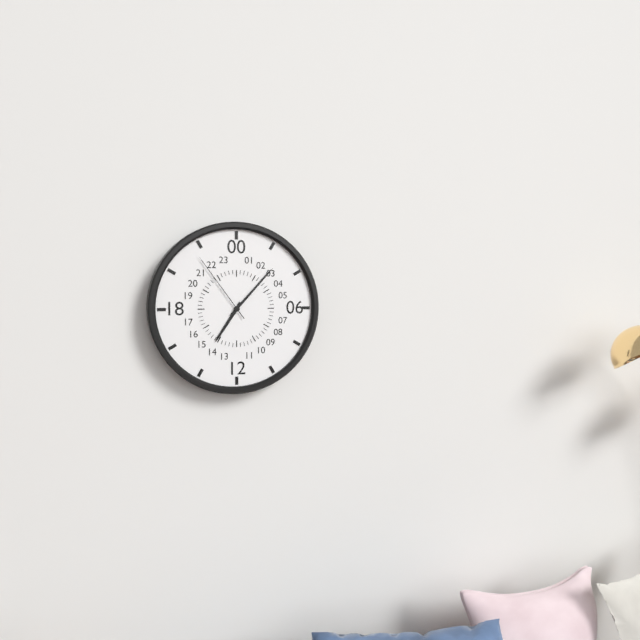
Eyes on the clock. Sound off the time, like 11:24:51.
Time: 7:07:54
